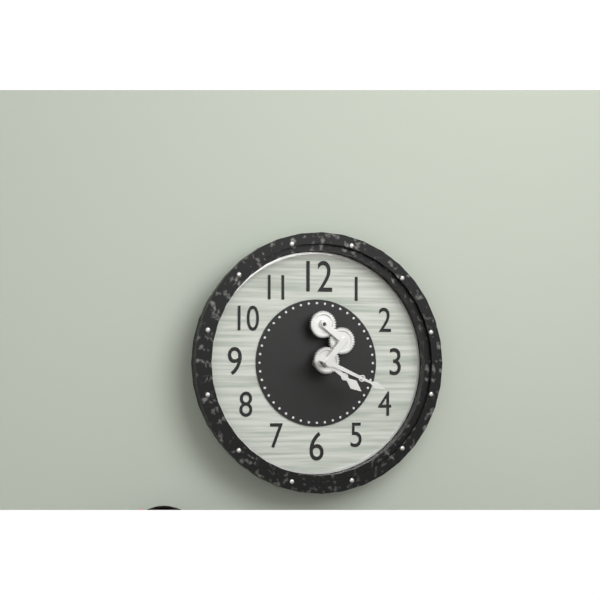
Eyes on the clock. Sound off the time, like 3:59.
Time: 4:19
